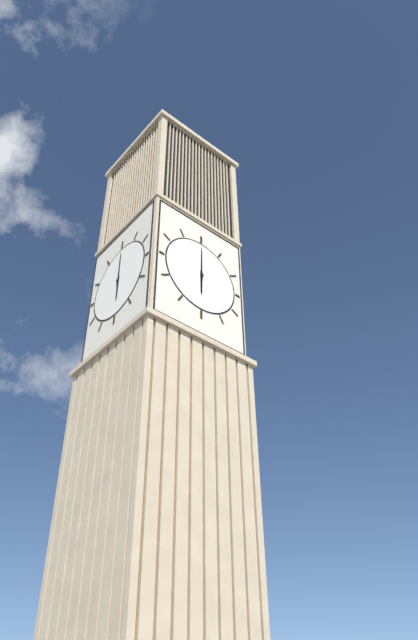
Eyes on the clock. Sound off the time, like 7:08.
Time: 6:00
